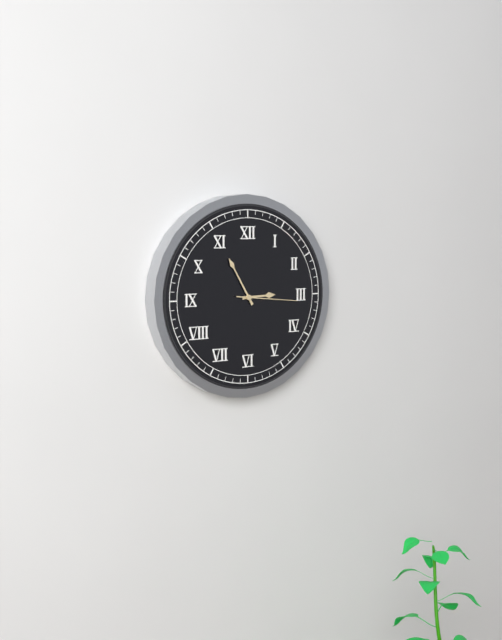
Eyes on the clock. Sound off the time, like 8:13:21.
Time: 2:55:16
